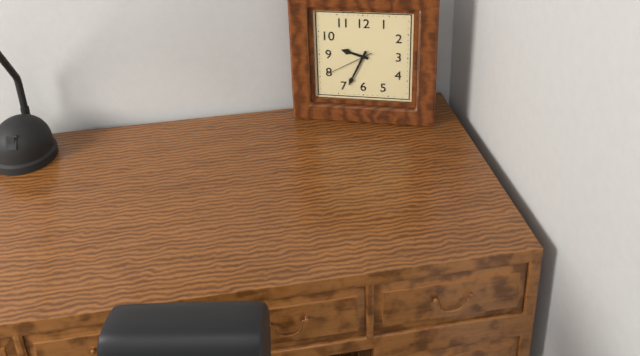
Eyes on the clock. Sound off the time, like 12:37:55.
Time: 9:34:40
